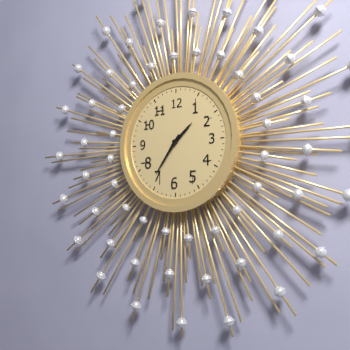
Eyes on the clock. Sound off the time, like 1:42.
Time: 1:36
